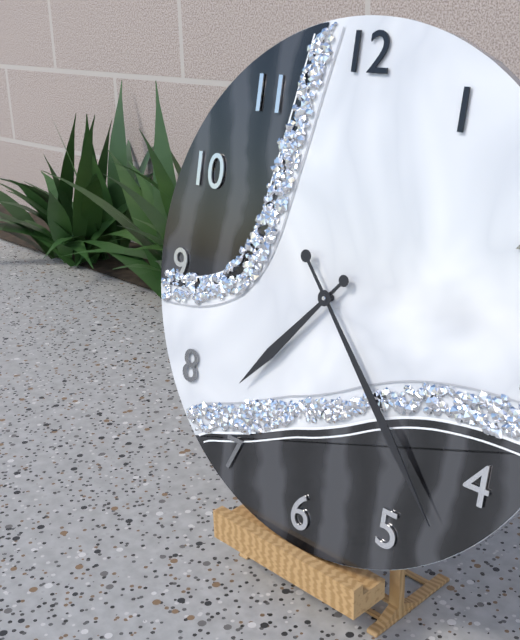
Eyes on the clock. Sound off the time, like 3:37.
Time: 7:23
